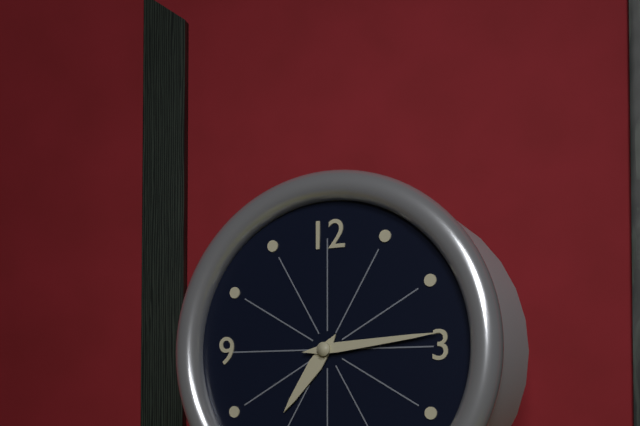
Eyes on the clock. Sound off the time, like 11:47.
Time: 7:14
